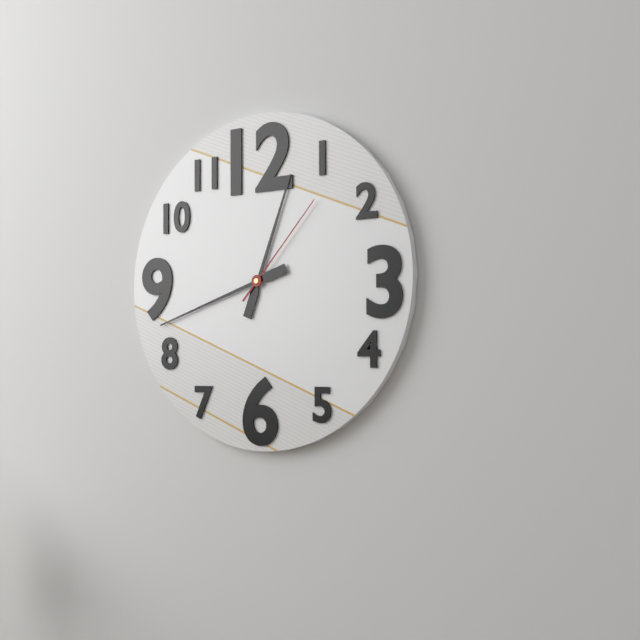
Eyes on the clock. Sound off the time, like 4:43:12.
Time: 12:42:07
